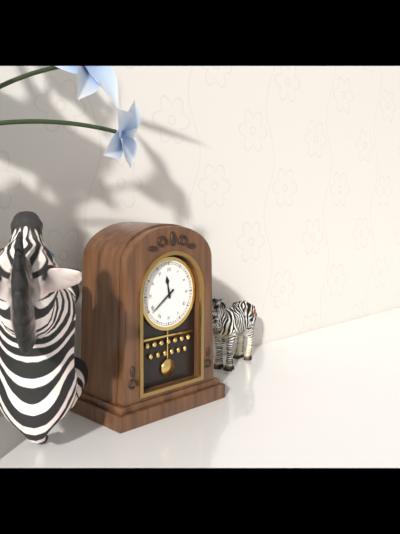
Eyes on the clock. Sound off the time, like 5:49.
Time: 11:39
